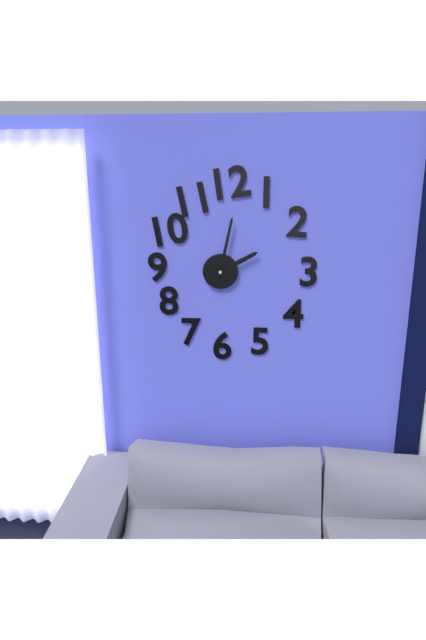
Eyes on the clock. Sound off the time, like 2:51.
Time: 2:02
